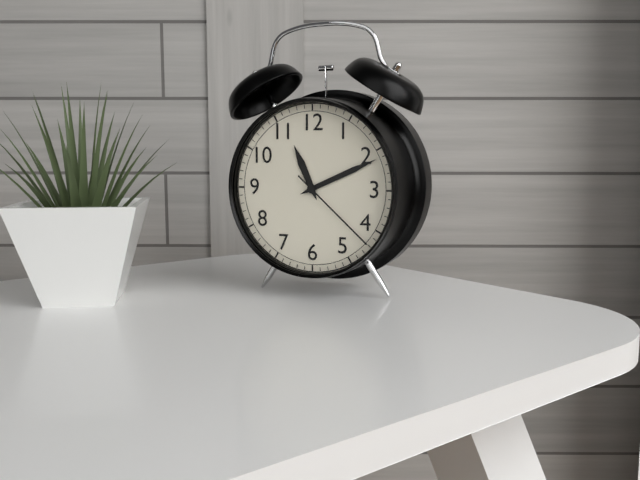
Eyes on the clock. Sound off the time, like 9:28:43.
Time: 11:11:22
